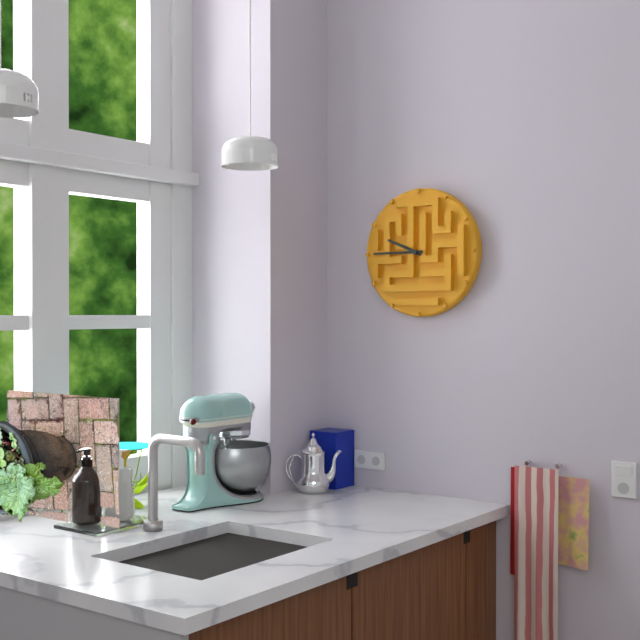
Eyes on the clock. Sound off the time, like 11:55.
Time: 9:45
